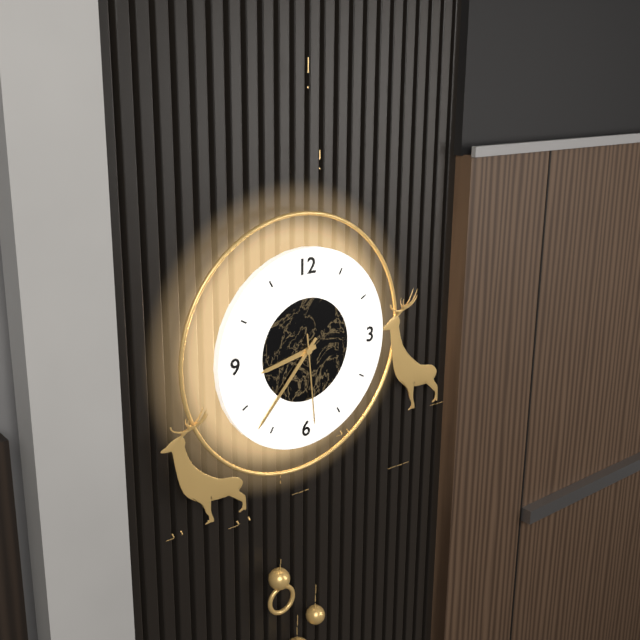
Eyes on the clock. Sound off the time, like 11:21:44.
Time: 8:37:29
